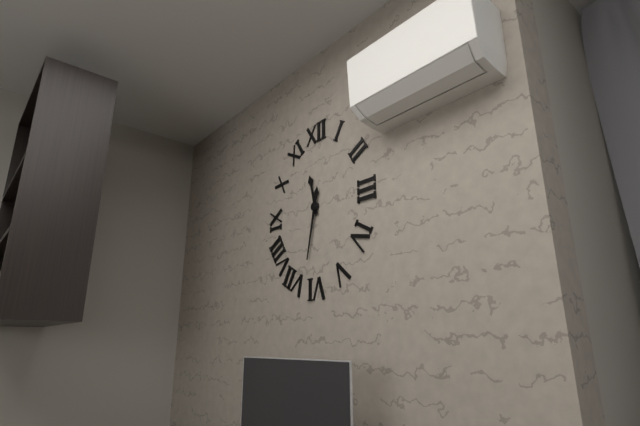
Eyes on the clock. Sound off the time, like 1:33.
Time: 11:32
